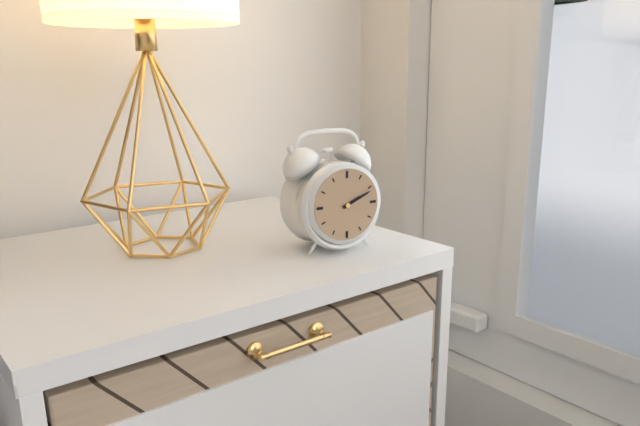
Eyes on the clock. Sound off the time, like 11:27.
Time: 2:11
